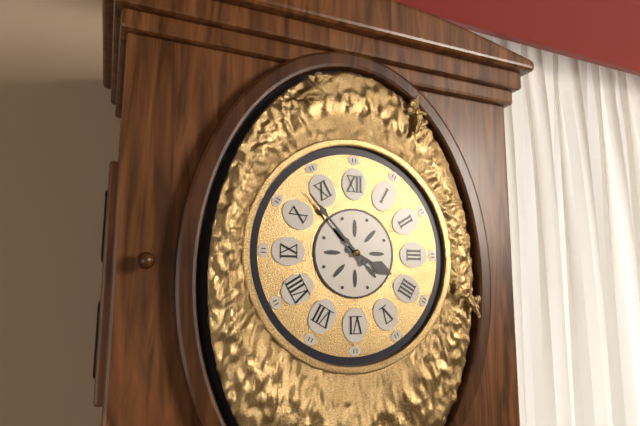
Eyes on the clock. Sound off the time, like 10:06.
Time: 3:53
